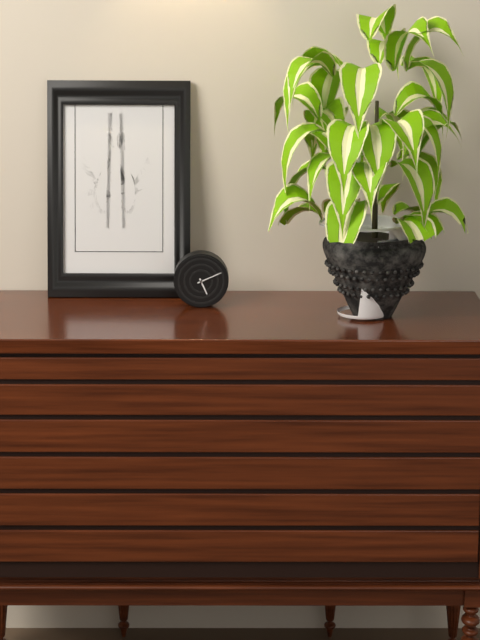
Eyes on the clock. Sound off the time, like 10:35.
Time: 5:11
